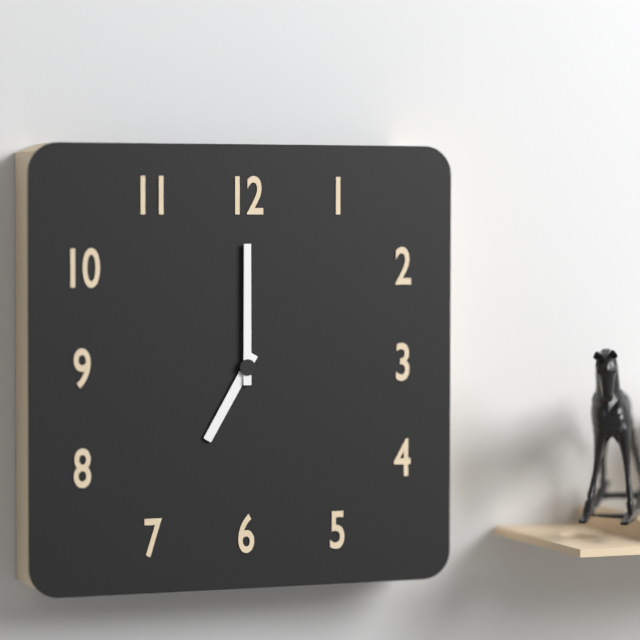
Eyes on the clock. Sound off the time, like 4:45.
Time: 7:00
